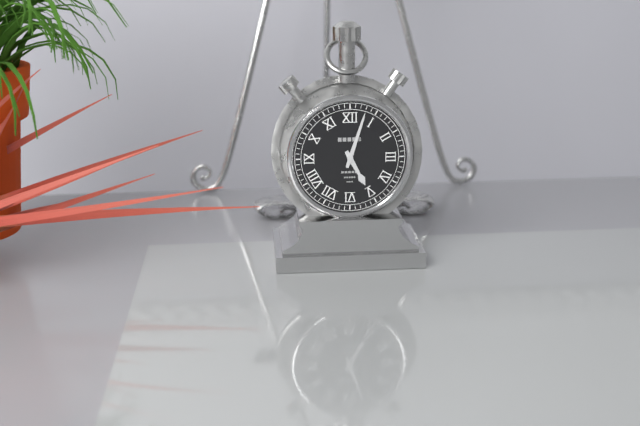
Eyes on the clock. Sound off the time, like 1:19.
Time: 5:03
